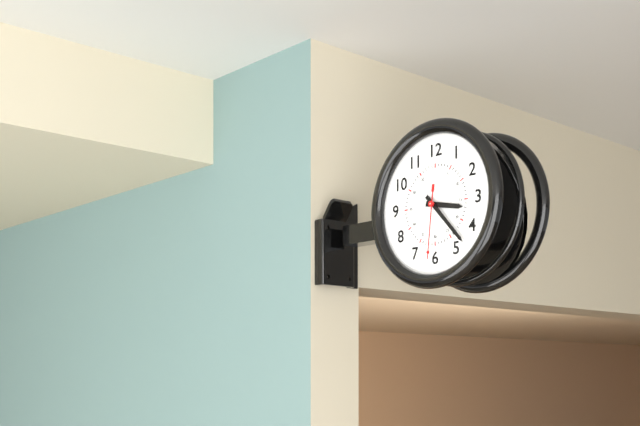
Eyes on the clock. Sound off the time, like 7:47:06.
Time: 3:23:31
